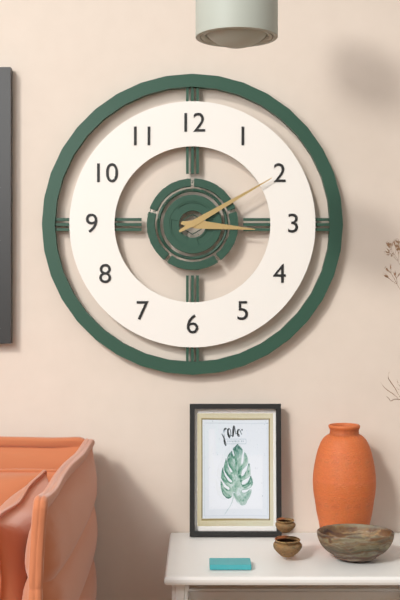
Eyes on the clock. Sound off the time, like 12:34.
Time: 3:10
